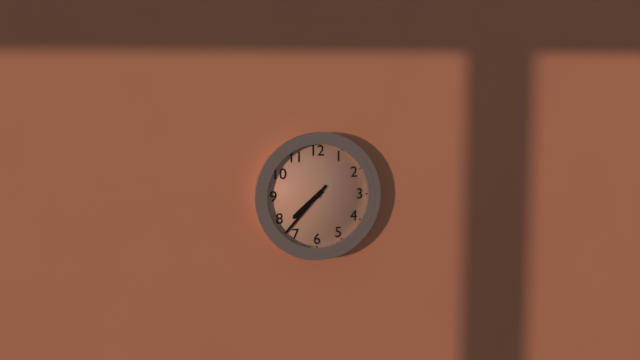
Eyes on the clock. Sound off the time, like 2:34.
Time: 7:37
